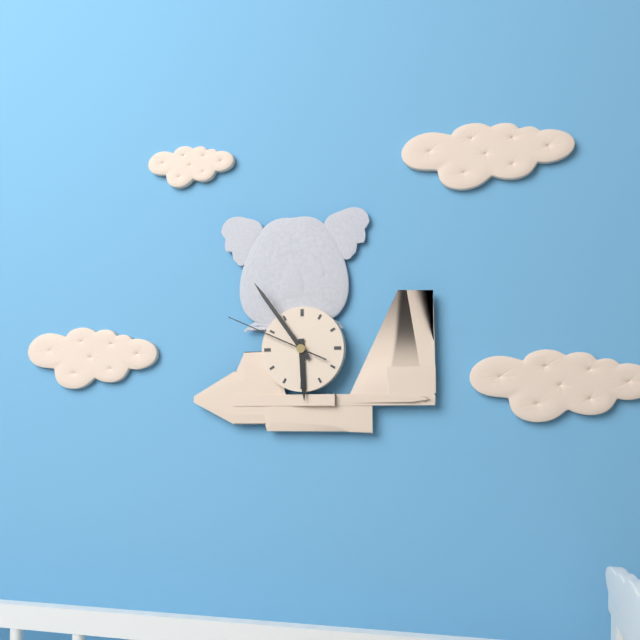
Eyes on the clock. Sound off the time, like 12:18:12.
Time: 5:54:49
